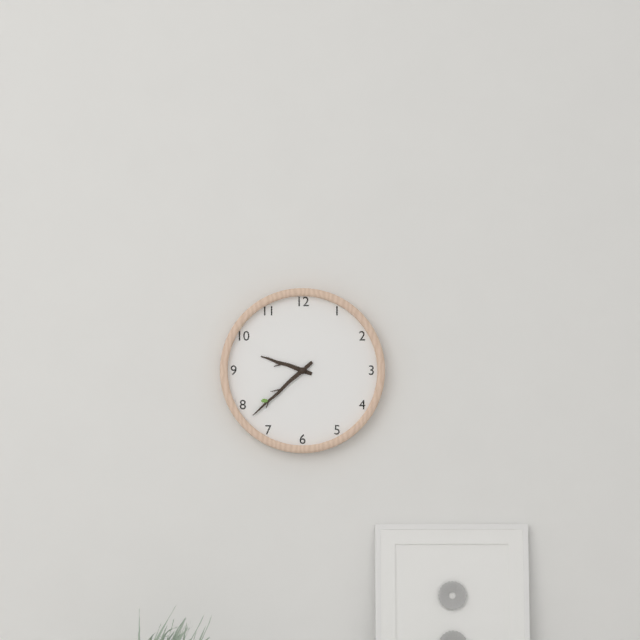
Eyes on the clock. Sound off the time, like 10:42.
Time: 9:38
